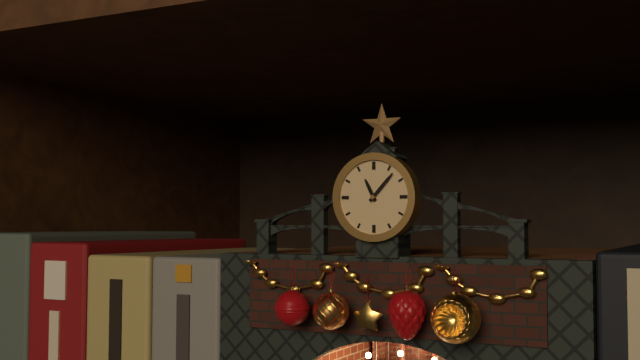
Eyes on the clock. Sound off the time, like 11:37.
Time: 11:07
